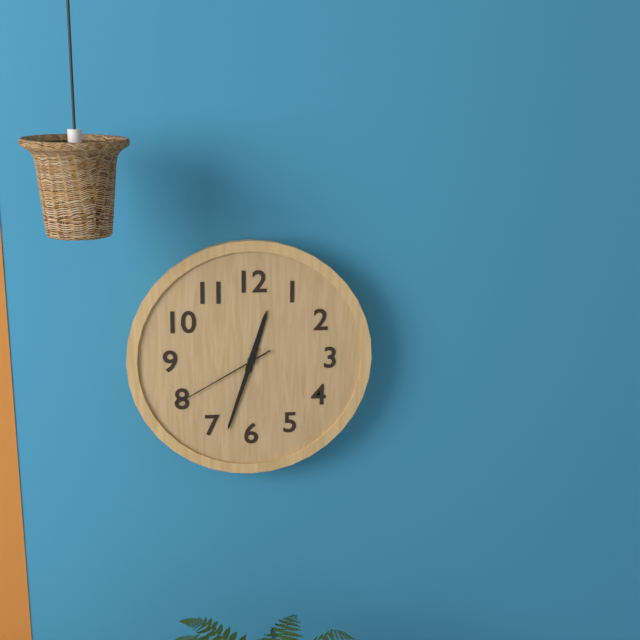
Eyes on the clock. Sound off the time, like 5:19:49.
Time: 12:33:40
